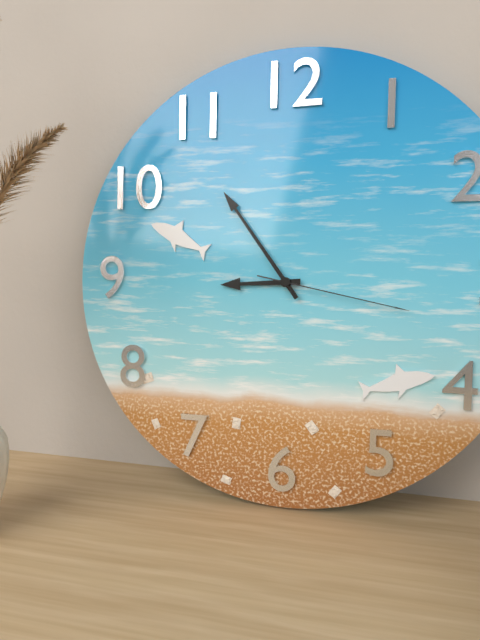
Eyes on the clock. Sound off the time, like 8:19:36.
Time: 8:54:17
